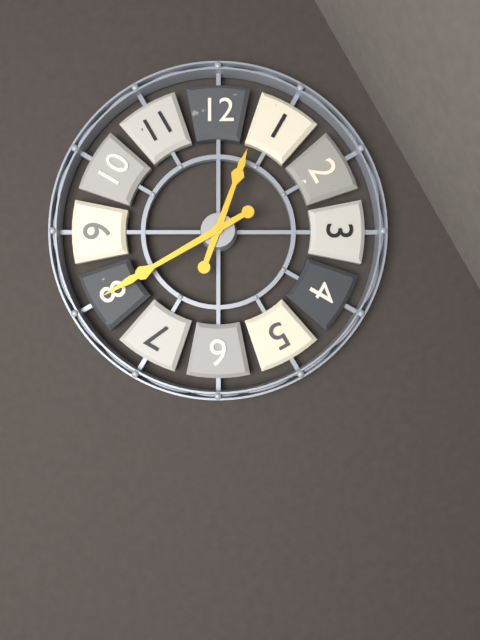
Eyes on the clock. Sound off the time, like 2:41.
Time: 12:40
